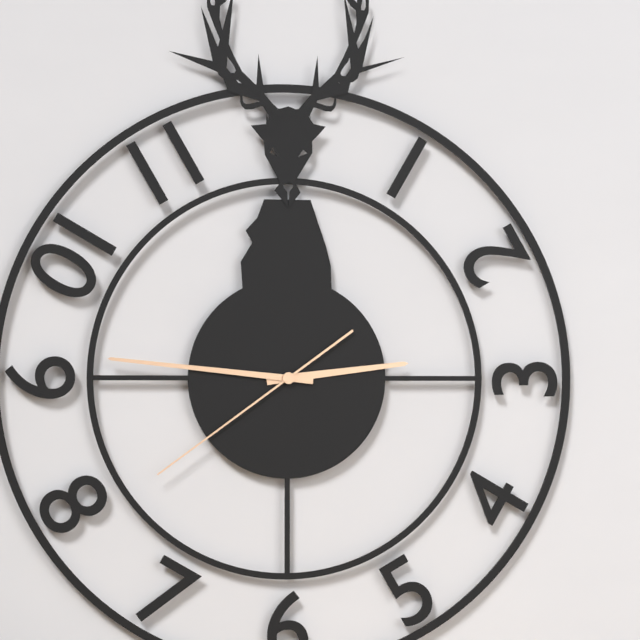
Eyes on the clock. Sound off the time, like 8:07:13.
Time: 2:46:39
